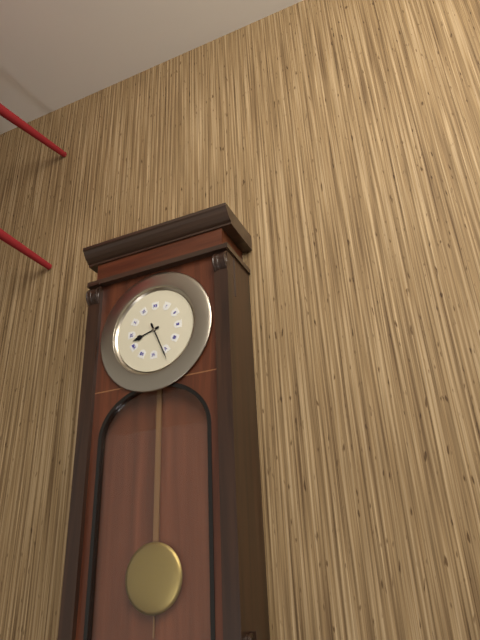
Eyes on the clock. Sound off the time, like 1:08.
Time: 8:26
